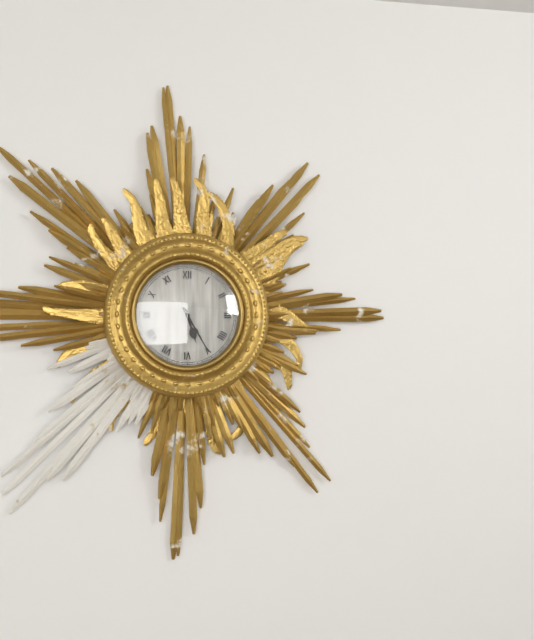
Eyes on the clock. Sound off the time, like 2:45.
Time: 5:25
